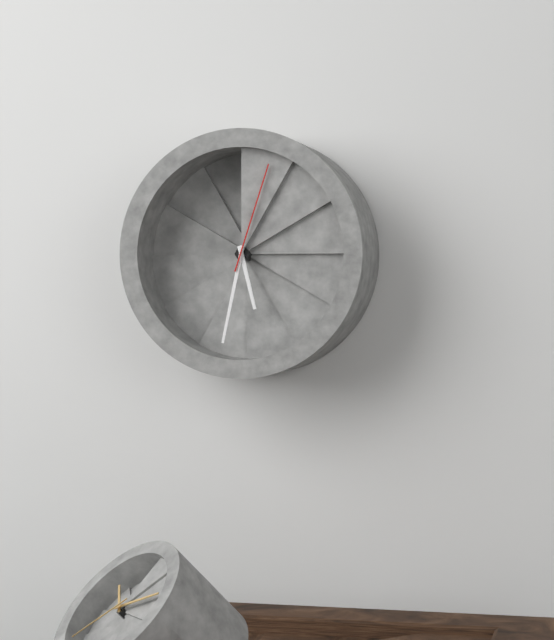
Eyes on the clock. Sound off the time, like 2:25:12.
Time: 5:32:03
